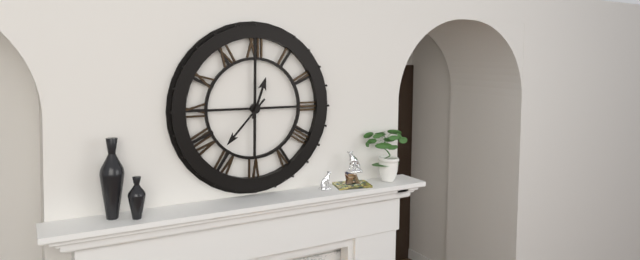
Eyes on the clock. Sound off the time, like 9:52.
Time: 12:37
